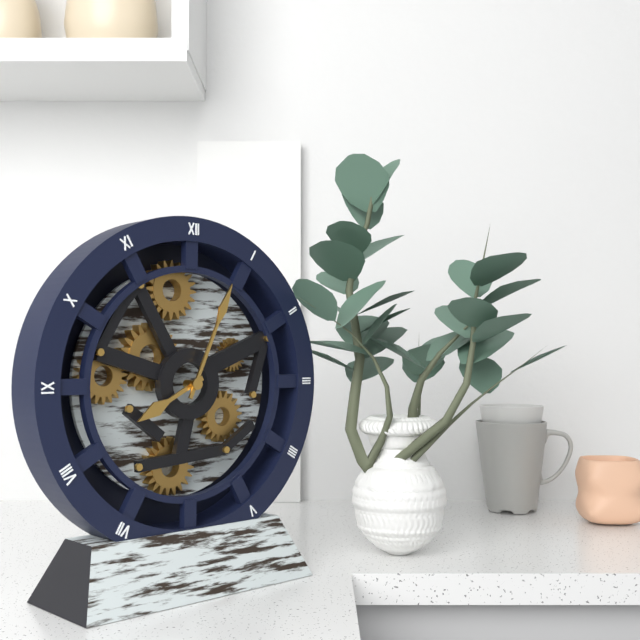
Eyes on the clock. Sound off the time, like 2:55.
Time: 8:04
